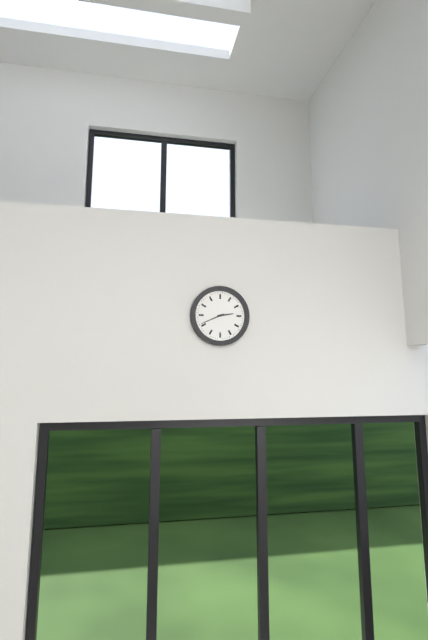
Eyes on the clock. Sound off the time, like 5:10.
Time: 2:41
